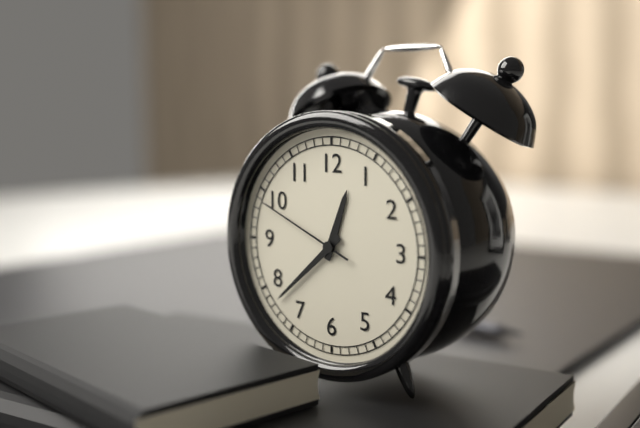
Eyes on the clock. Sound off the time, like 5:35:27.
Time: 12:38:49
